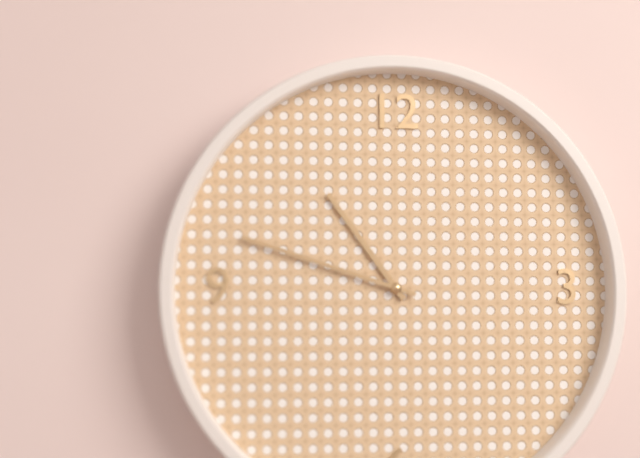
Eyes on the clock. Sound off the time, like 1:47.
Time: 10:48
